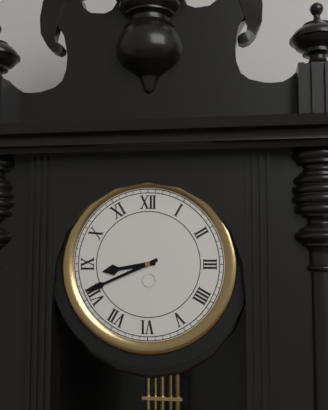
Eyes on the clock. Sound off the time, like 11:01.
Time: 8:41
